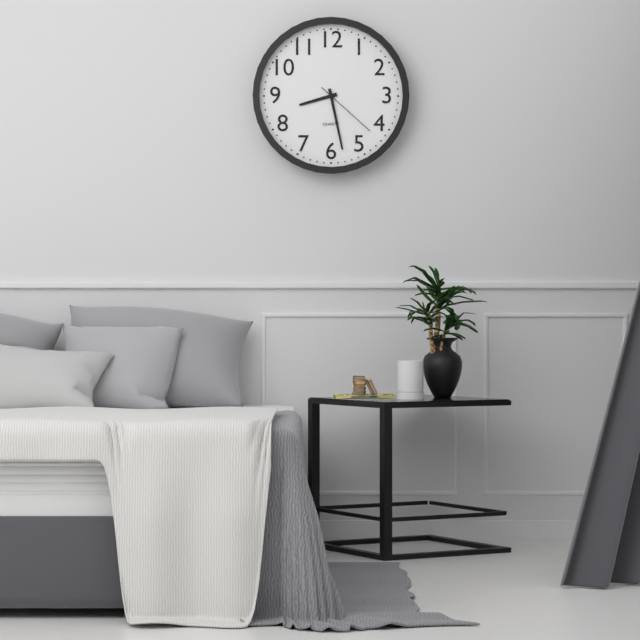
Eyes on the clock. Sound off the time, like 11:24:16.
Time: 8:28:22
